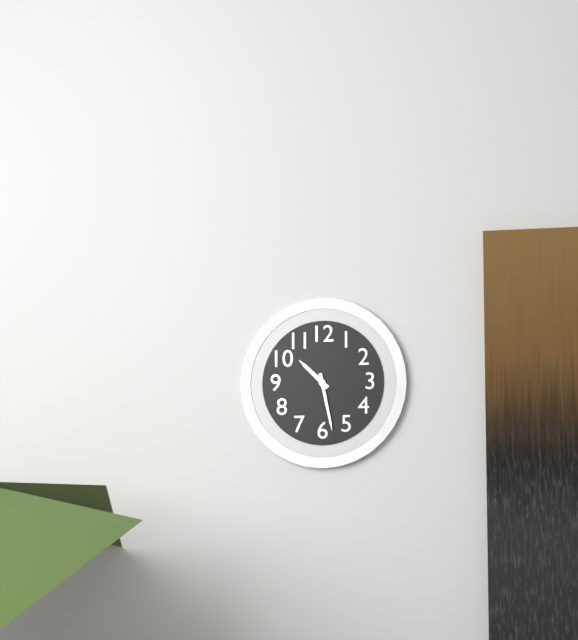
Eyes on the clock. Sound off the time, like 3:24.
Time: 10:28
